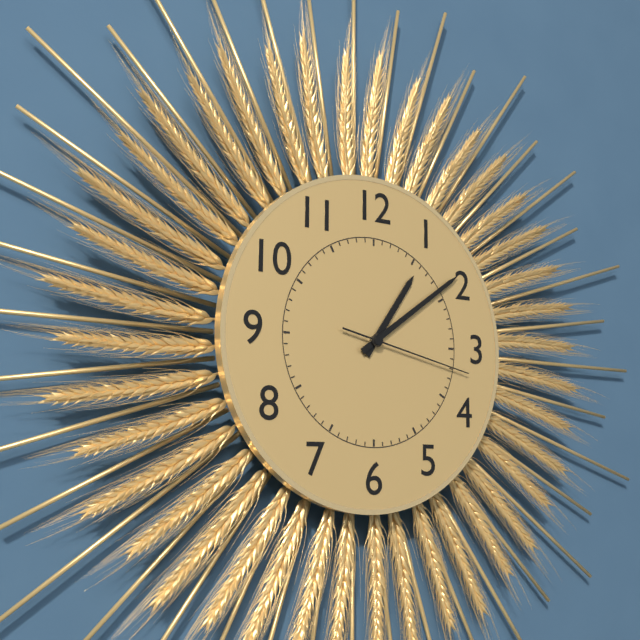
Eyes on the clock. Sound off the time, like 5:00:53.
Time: 1:09:17
